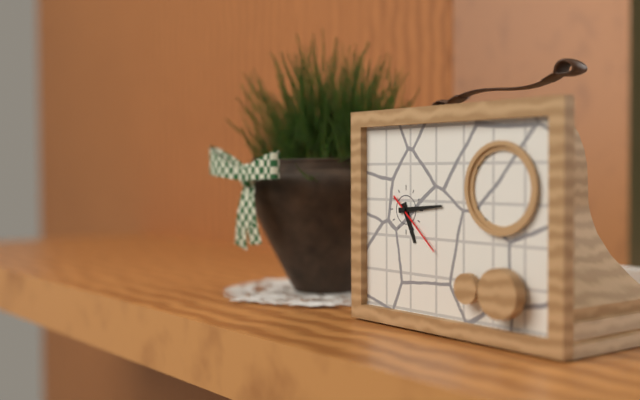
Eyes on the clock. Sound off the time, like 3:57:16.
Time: 5:14:22
